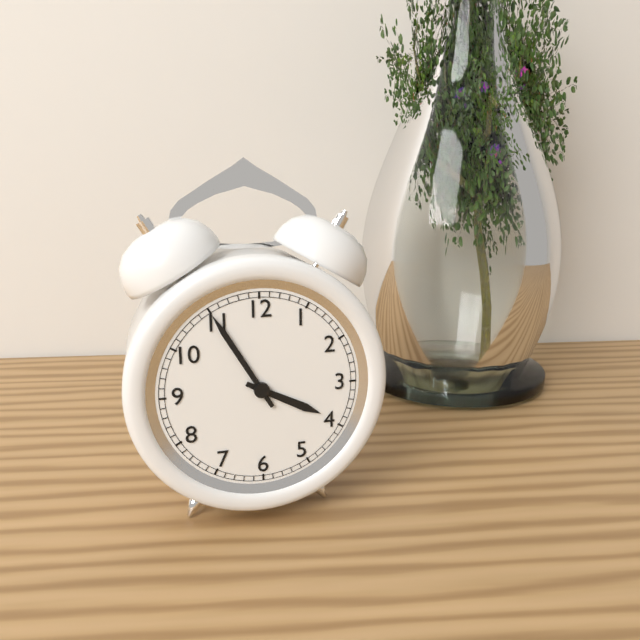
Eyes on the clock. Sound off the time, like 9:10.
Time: 3:55
